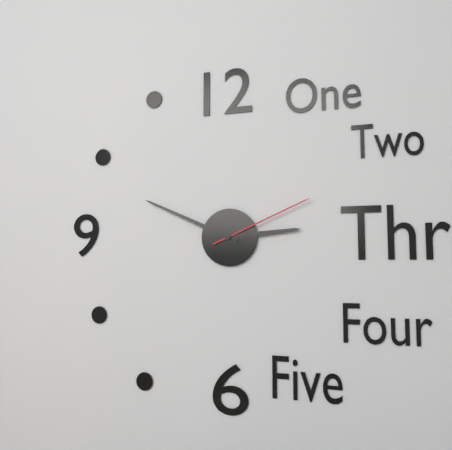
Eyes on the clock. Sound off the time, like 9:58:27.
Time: 2:49:11
